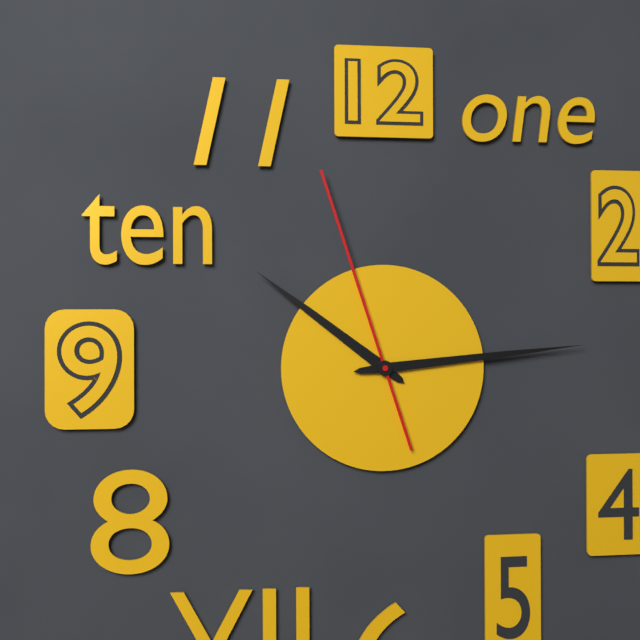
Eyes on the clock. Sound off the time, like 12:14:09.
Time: 10:14:57
